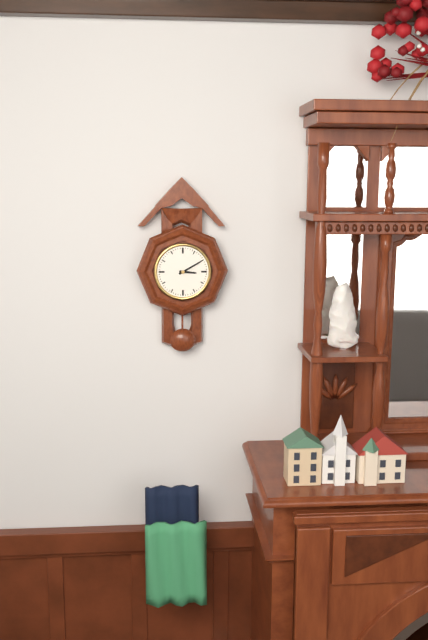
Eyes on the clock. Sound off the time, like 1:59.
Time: 3:10
